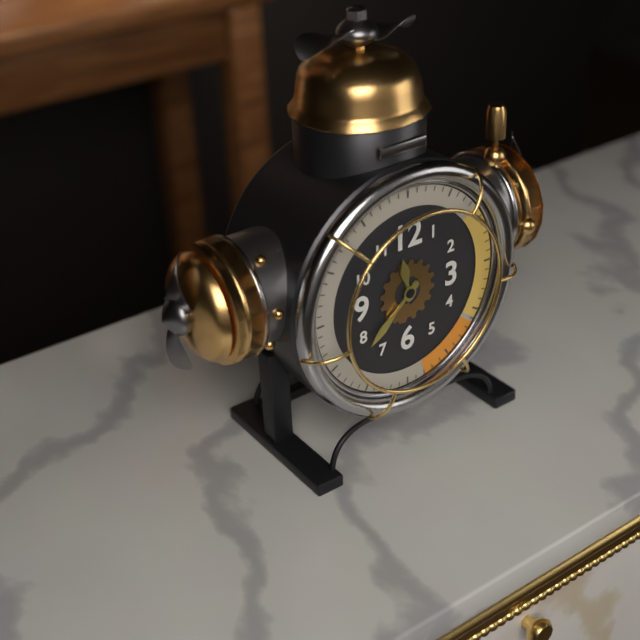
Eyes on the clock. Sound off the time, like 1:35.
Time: 11:38
